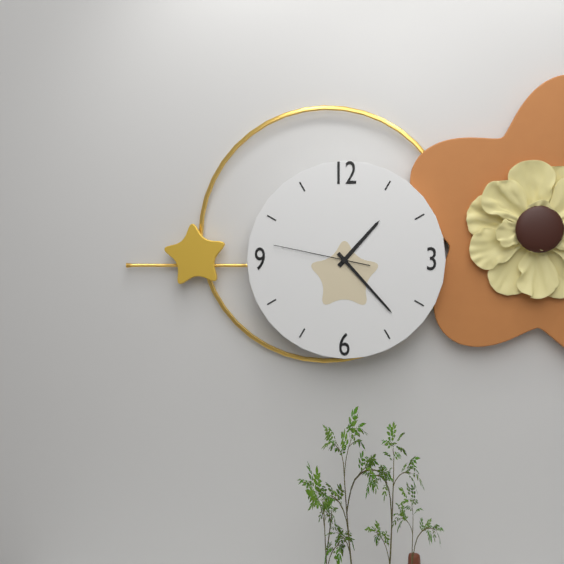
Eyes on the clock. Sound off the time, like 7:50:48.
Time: 1:23:47
